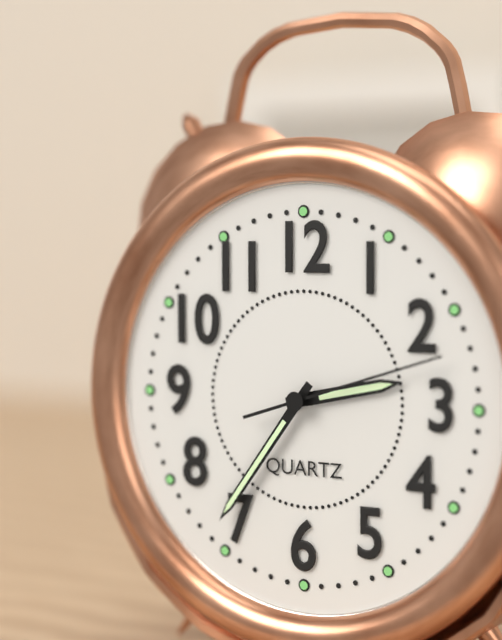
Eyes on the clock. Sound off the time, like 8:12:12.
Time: 2:36:12
